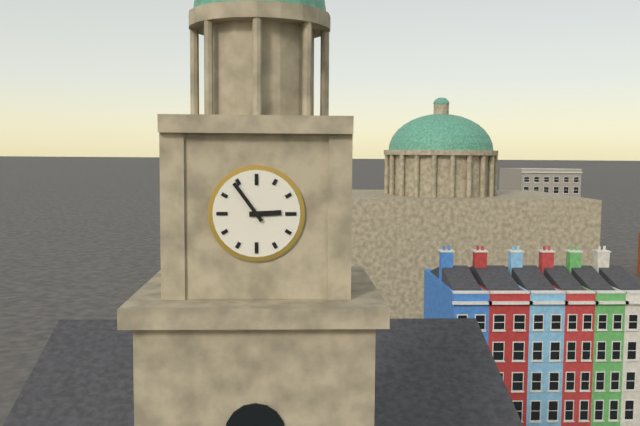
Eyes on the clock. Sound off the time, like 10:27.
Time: 2:54
